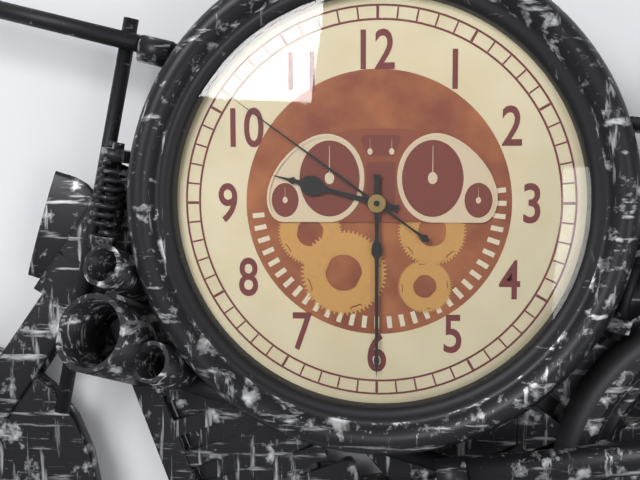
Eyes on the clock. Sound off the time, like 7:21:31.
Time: 9:30:51
